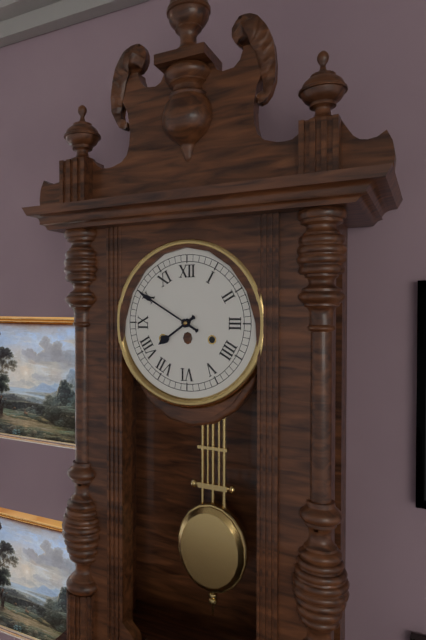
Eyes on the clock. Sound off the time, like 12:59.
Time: 7:50
